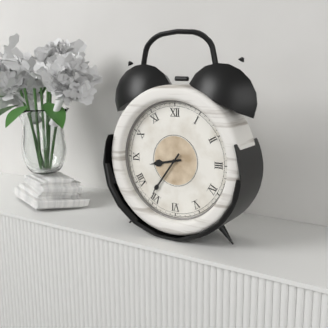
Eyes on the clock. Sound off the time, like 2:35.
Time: 8:36
